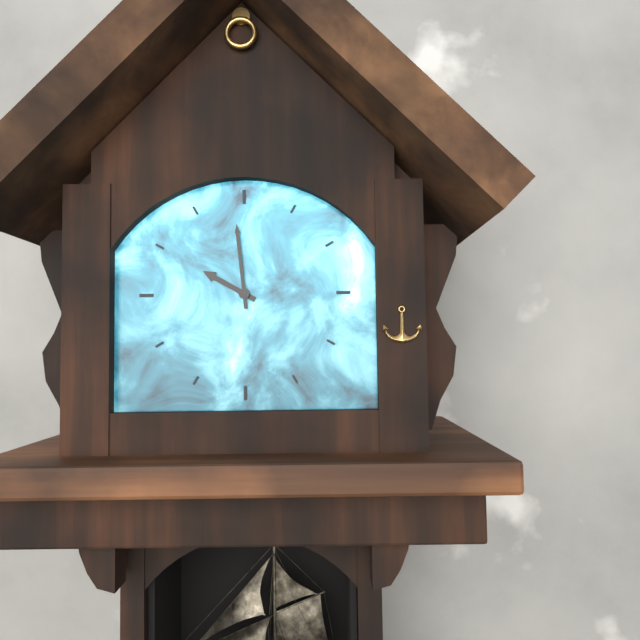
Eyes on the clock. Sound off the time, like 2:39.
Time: 9:59
